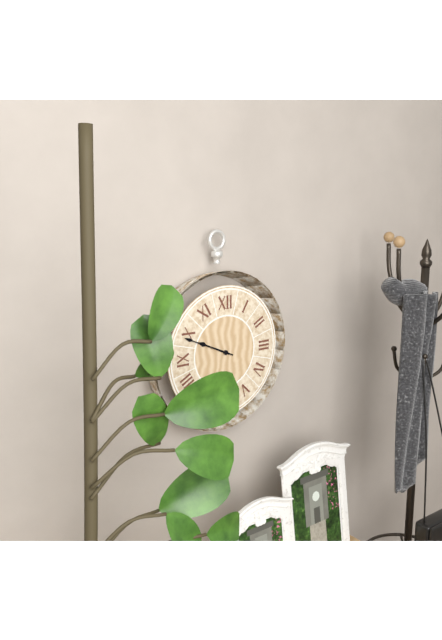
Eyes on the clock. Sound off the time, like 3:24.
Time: 9:49
